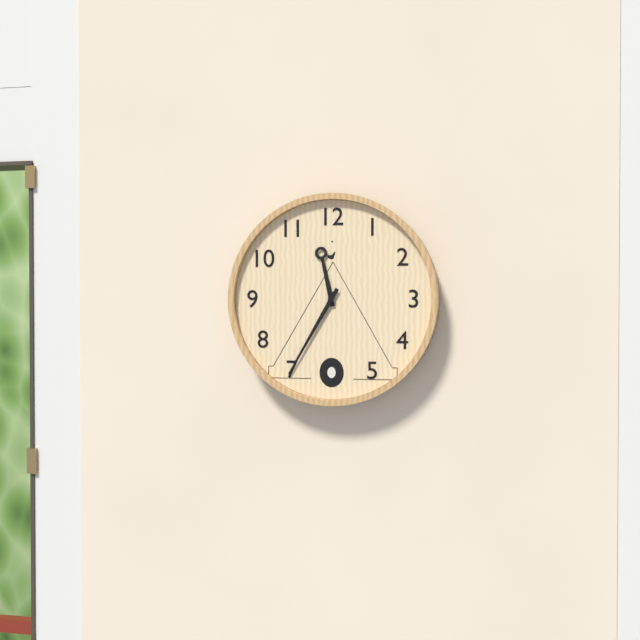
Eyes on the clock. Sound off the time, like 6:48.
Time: 11:35
